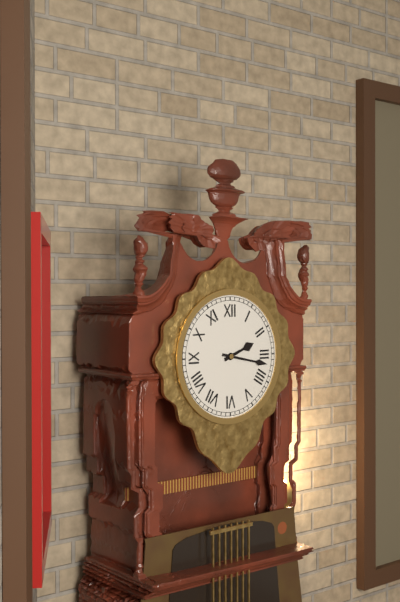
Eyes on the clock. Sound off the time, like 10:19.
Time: 2:17
